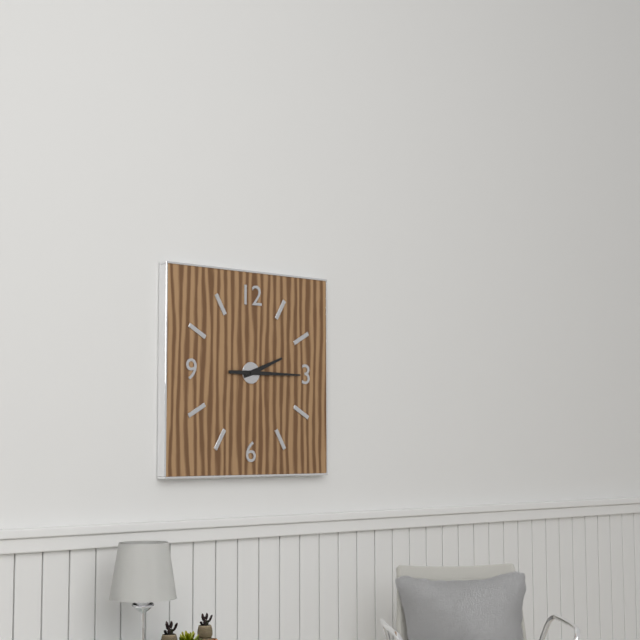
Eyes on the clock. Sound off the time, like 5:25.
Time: 2:15
